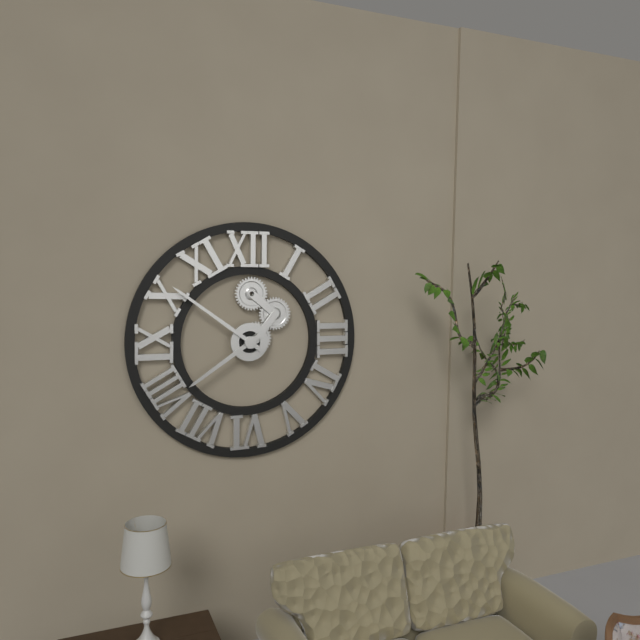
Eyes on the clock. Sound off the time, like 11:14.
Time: 7:51
